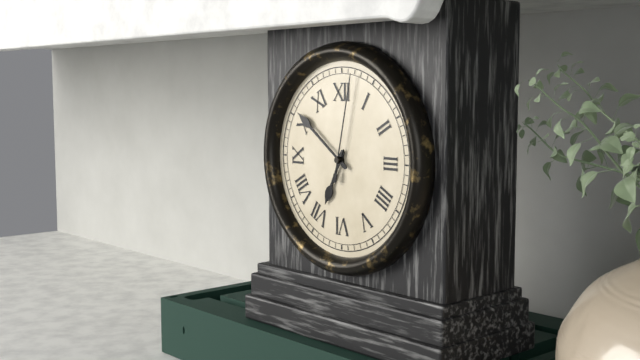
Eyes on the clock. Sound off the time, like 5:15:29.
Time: 6:51:02
